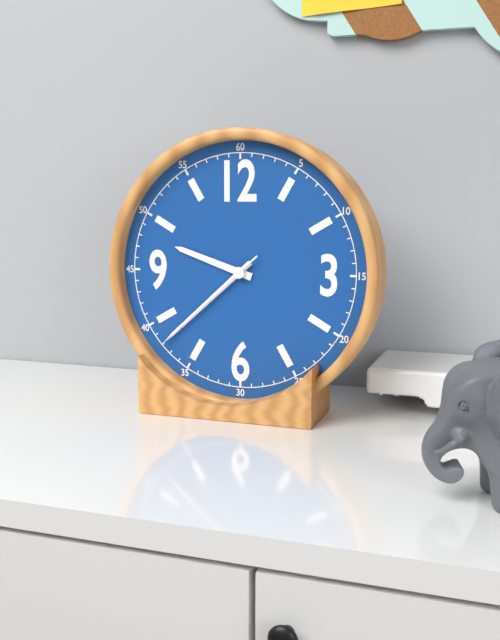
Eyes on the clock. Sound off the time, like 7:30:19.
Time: 9:38:38
